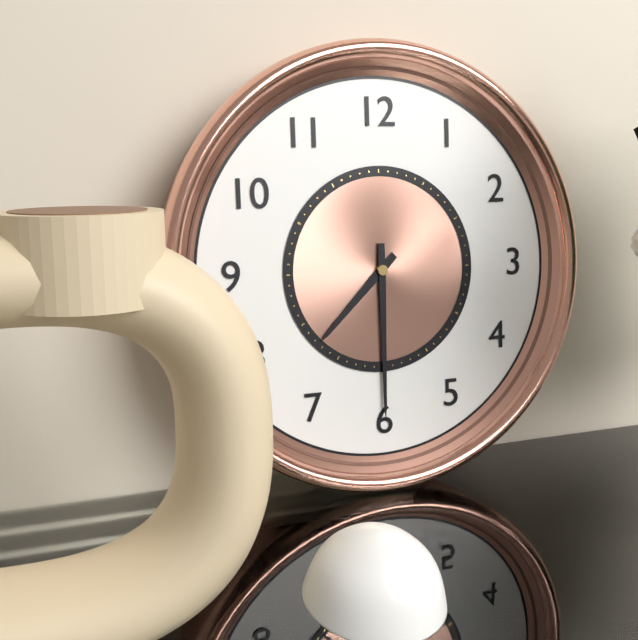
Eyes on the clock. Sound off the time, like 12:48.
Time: 7:30
